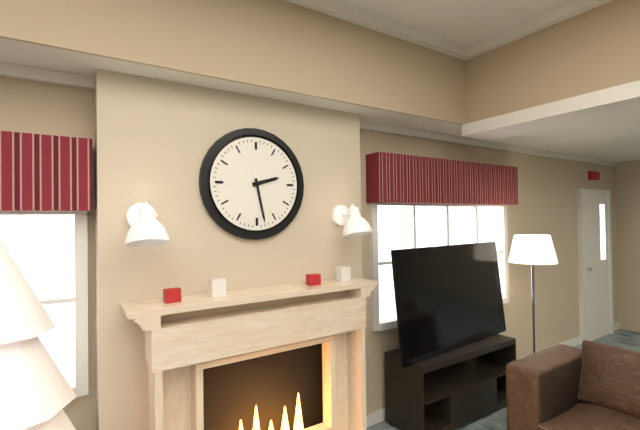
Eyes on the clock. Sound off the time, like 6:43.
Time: 2:28
